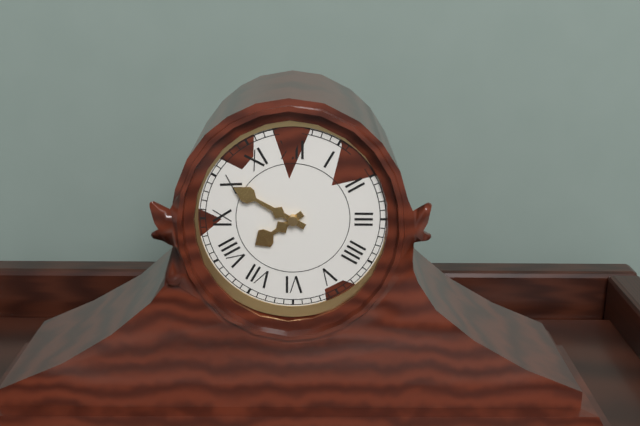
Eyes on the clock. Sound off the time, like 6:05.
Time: 7:50
